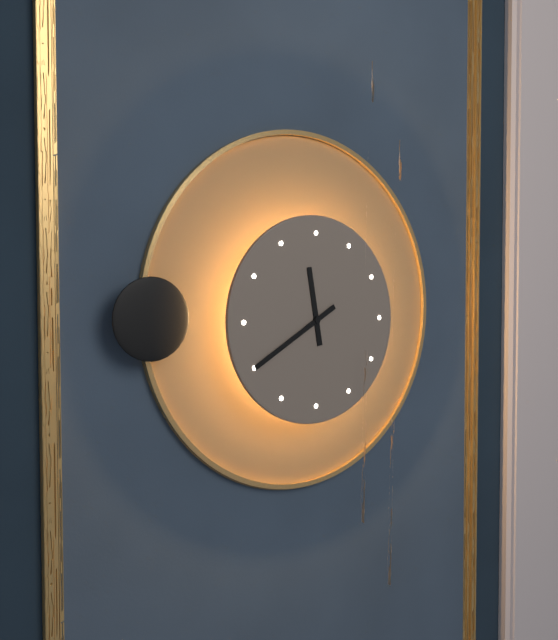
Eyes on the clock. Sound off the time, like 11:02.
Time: 11:40
